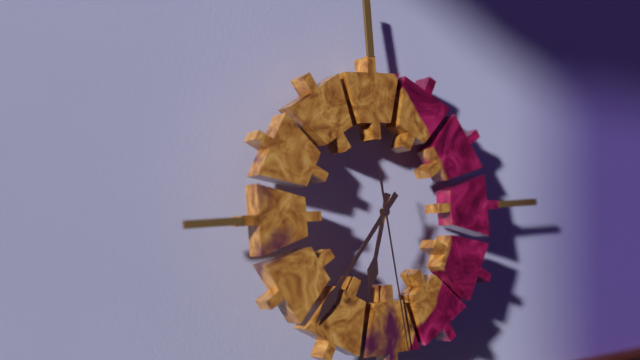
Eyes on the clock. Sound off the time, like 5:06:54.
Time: 6:37:29
